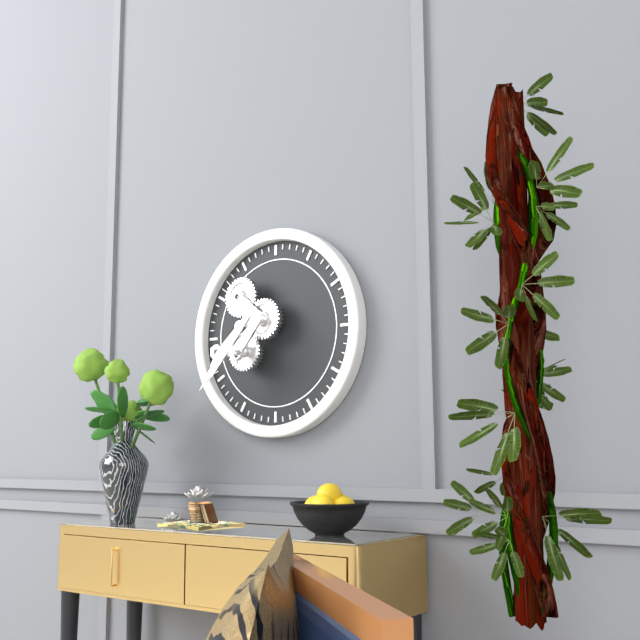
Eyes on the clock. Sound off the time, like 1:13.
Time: 7:37
